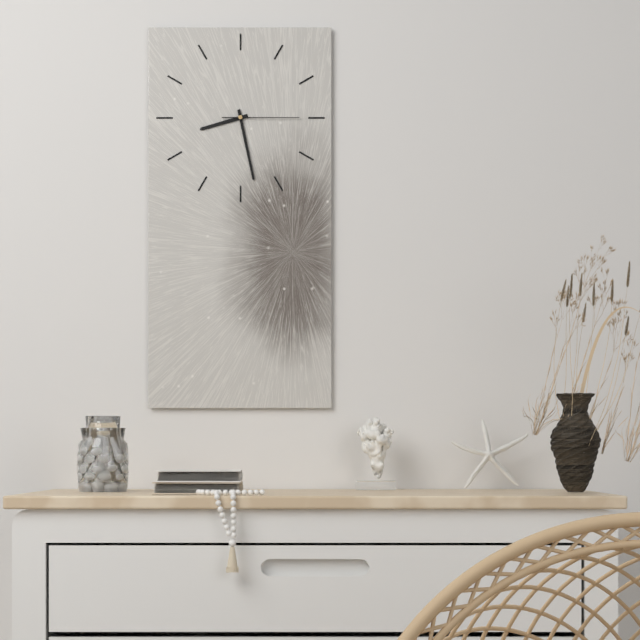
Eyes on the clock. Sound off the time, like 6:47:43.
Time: 8:28:15
